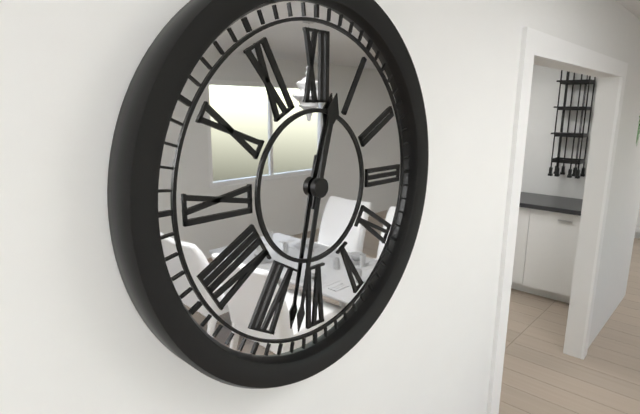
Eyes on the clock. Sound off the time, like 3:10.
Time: 12:32
